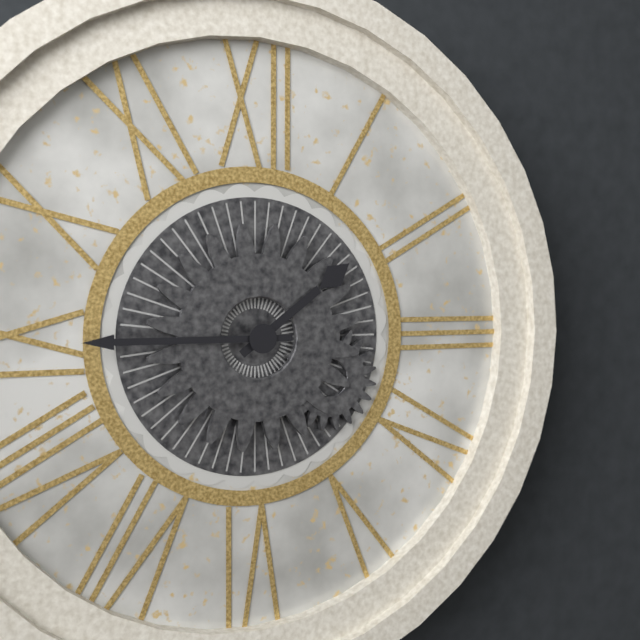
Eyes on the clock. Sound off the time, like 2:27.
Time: 1:45
